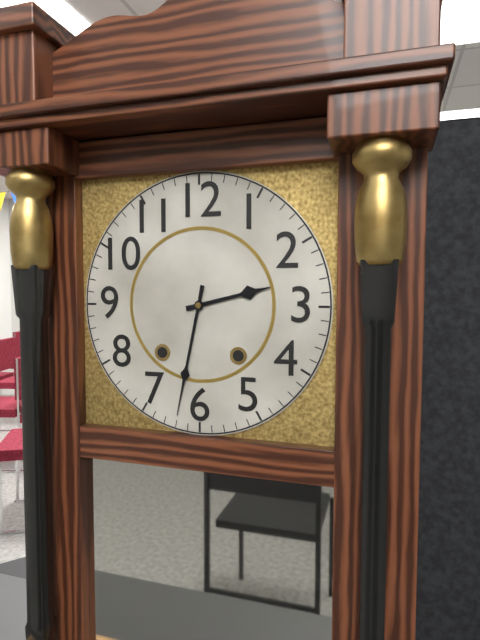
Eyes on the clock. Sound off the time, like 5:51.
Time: 2:32
